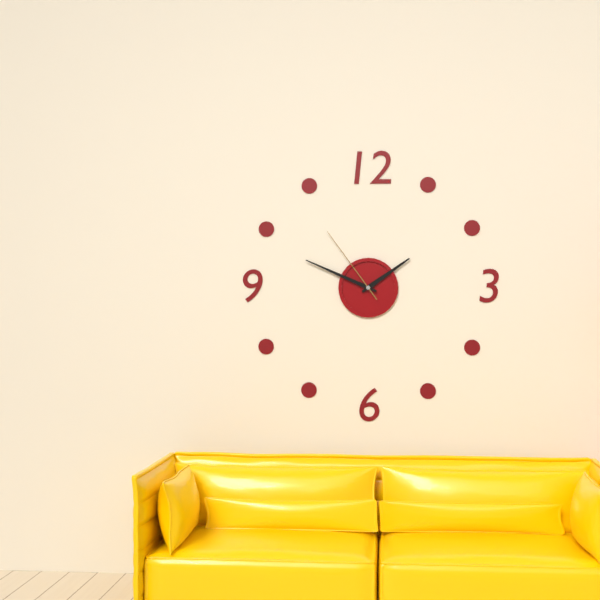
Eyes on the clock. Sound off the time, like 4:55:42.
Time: 1:49:54
